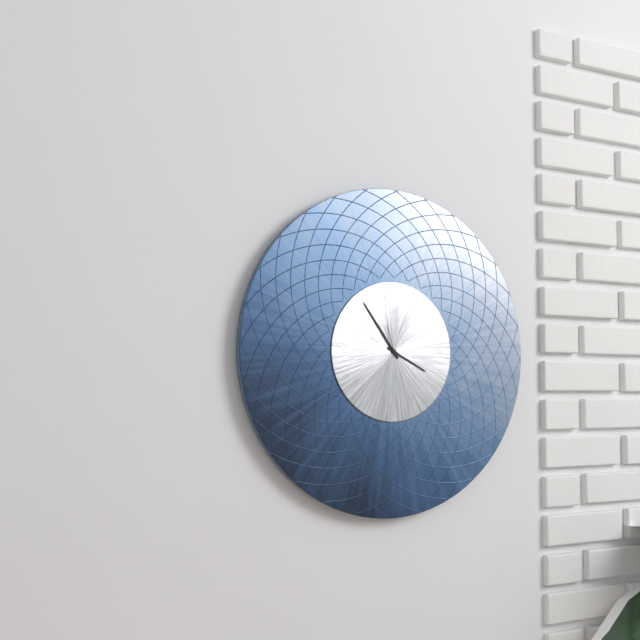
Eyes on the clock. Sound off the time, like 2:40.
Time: 3:54
